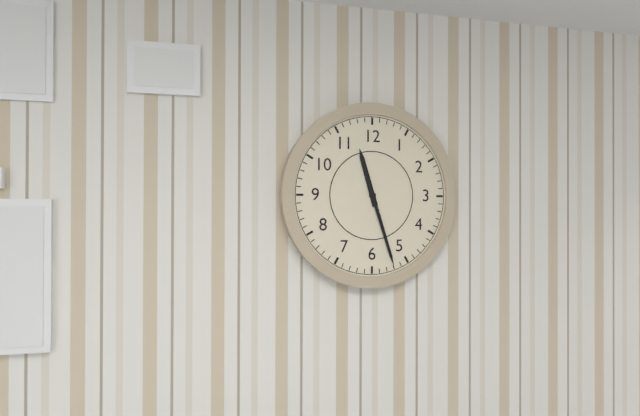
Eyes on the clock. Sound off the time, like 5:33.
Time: 11:27
